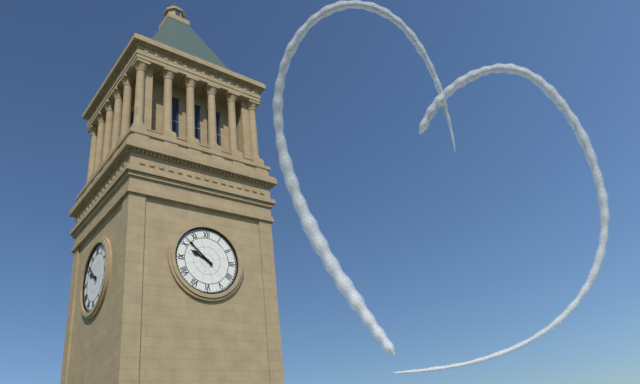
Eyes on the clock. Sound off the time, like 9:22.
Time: 9:52
